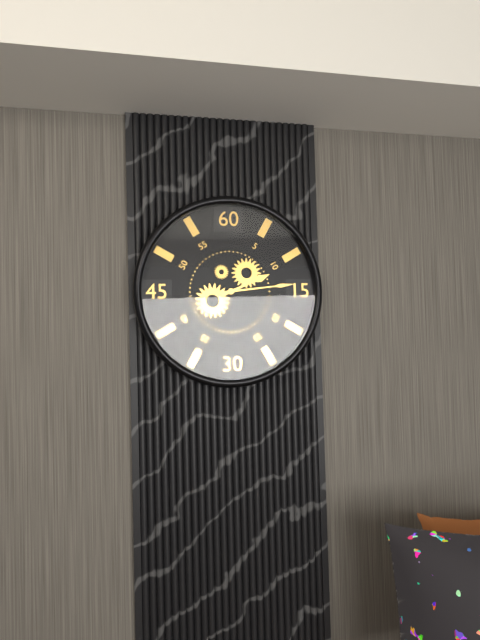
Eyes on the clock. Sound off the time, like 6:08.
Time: 2:14
